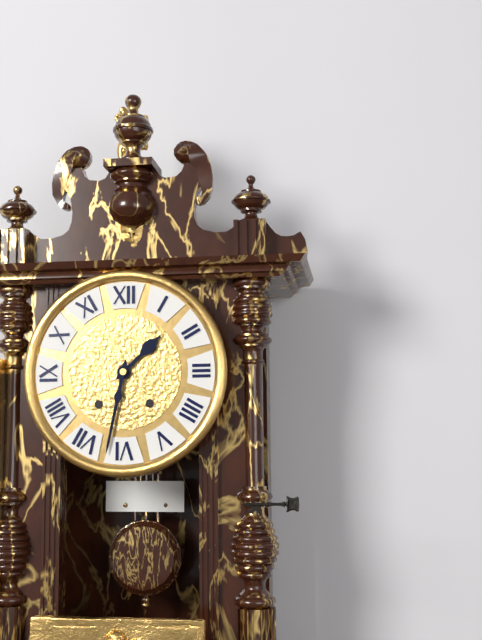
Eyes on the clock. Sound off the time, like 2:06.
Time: 1:32
